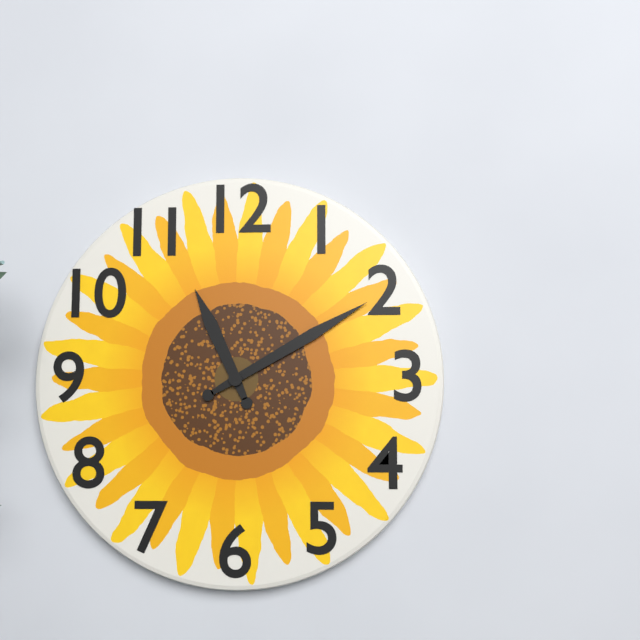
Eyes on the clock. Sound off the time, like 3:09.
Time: 11:10
